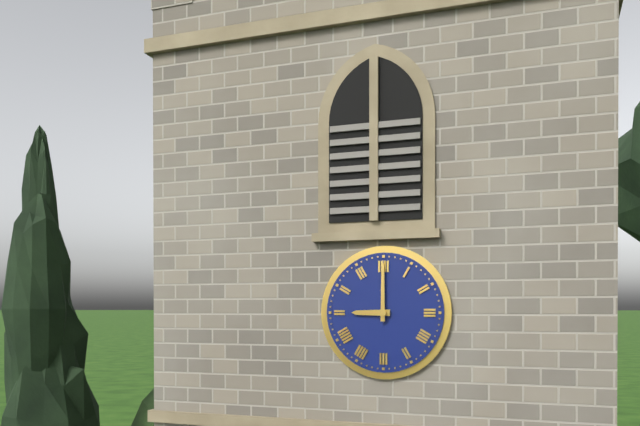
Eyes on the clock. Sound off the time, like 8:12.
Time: 9:00
